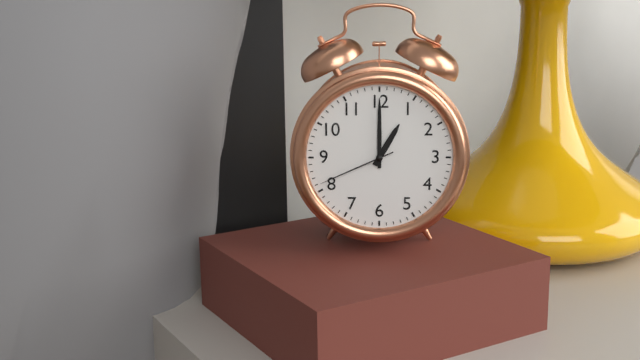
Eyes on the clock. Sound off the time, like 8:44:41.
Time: 1:00:41
